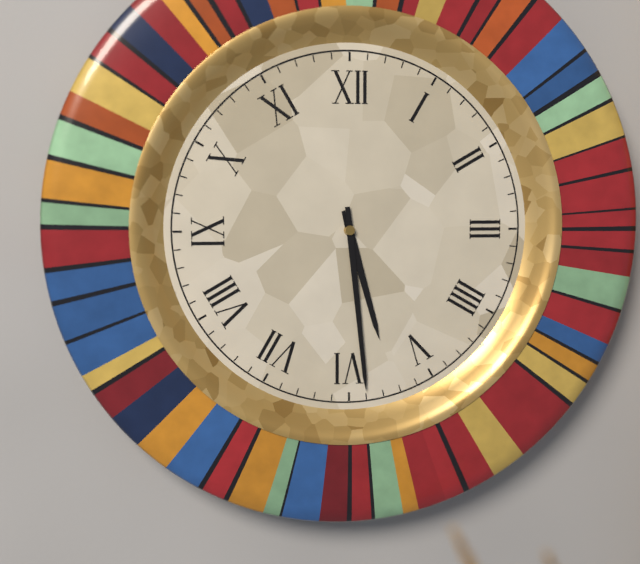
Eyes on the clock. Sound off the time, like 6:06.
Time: 5:29
